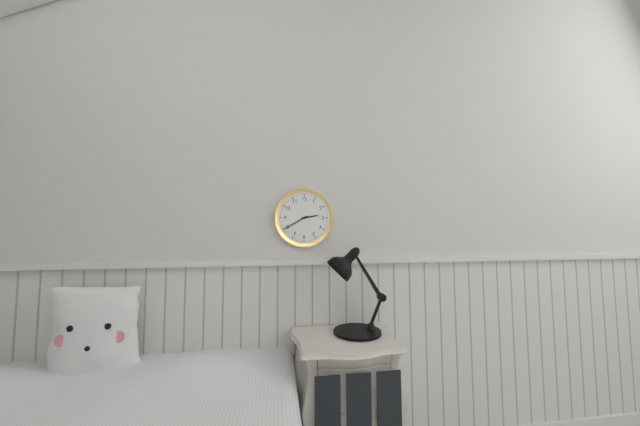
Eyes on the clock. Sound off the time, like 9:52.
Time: 2:40
